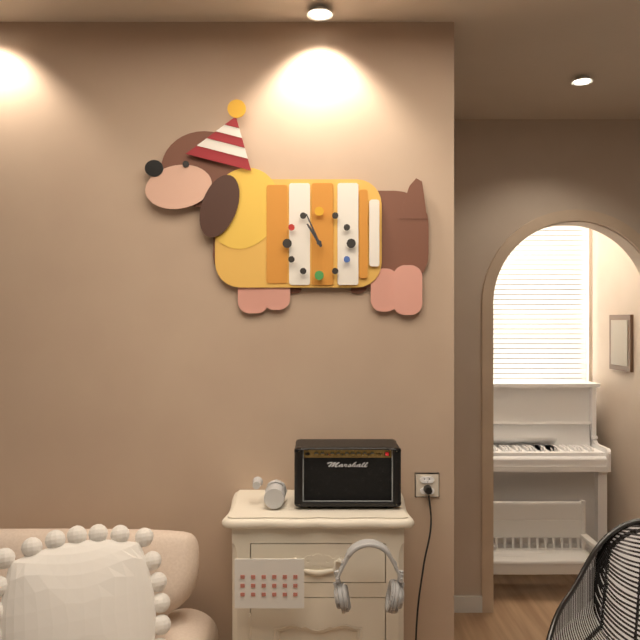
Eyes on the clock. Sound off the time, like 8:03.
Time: 10:56
